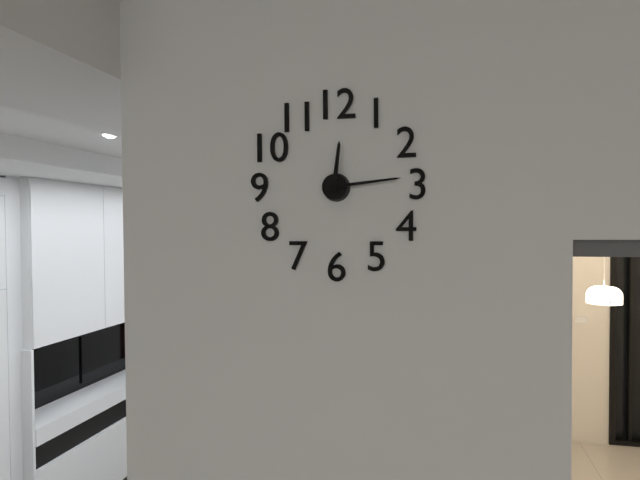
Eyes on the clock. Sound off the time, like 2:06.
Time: 12:14
